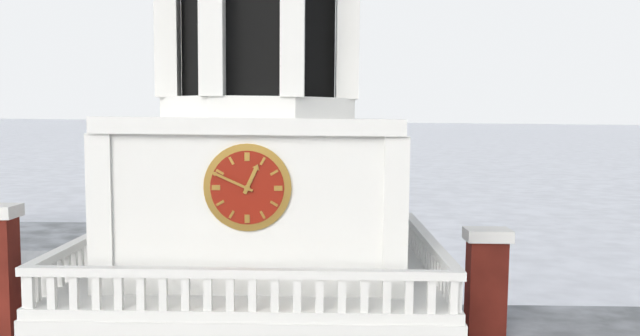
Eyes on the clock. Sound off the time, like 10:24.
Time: 12:49
